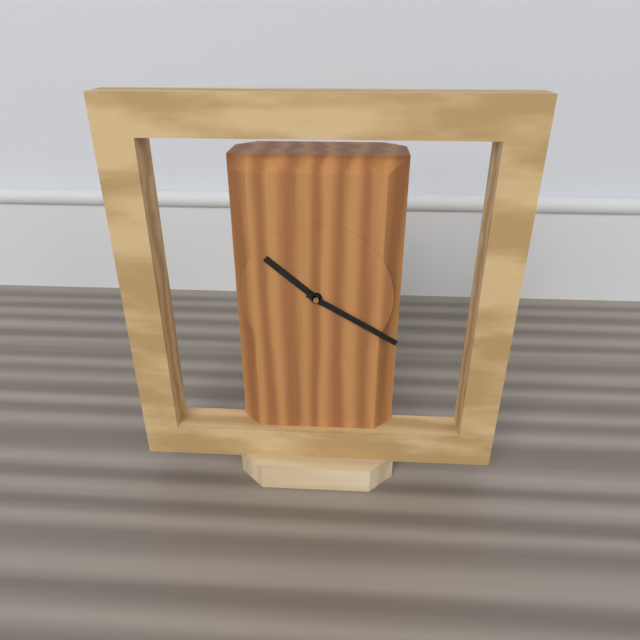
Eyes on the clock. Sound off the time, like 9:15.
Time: 10:20
